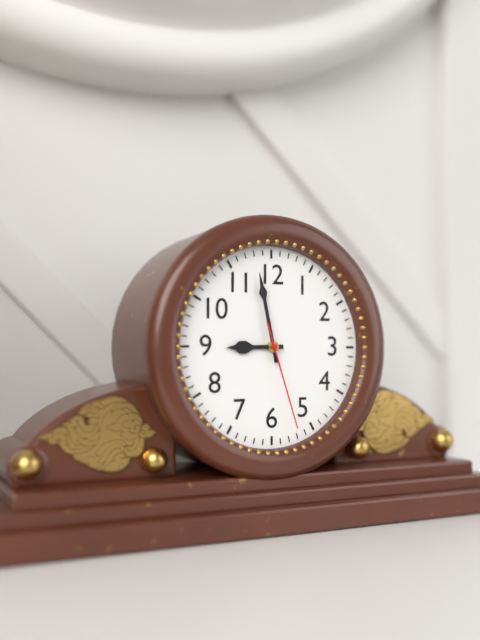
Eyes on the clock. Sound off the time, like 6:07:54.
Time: 8:58:27
